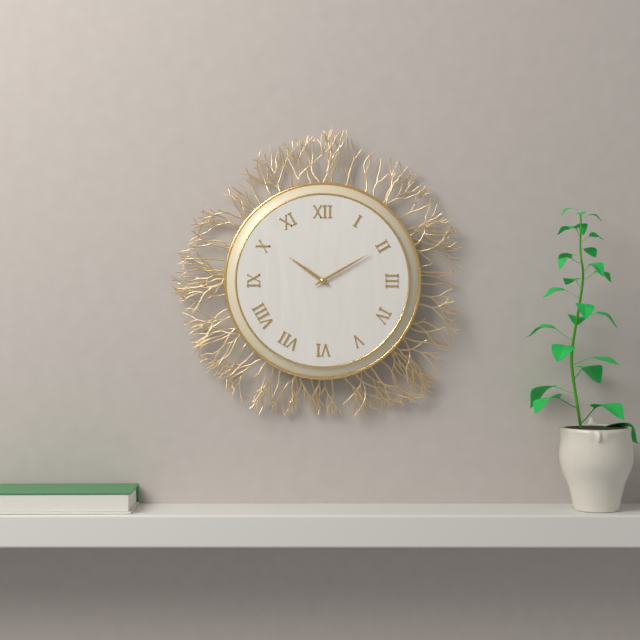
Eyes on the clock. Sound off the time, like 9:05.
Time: 10:10
